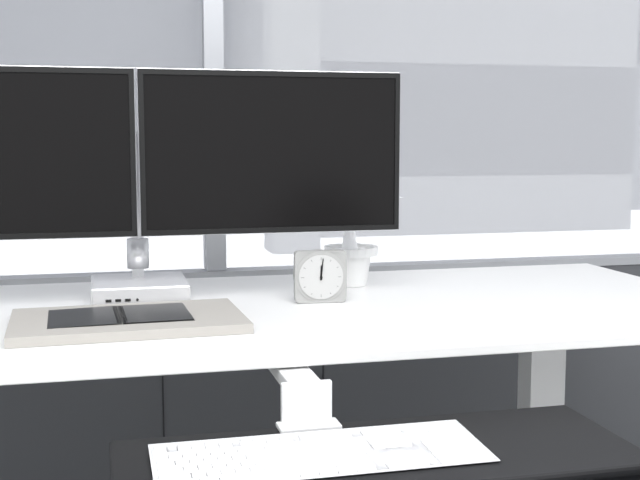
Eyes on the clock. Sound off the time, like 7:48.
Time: 12:01
